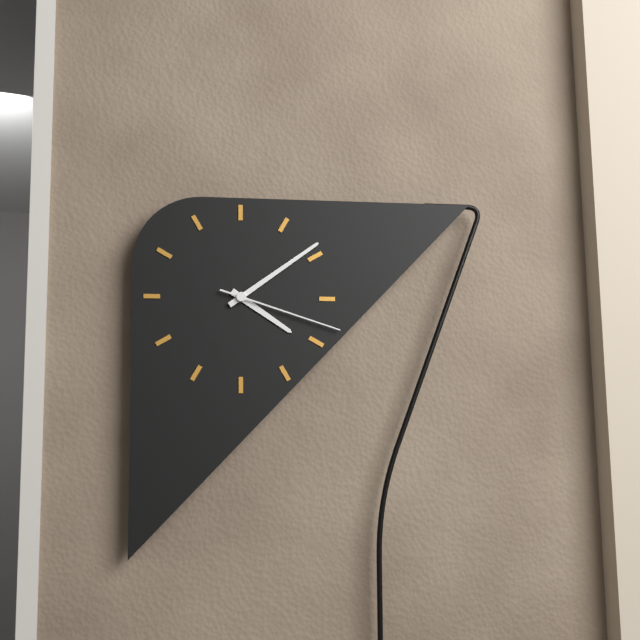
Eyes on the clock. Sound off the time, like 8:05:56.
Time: 4:09:18
